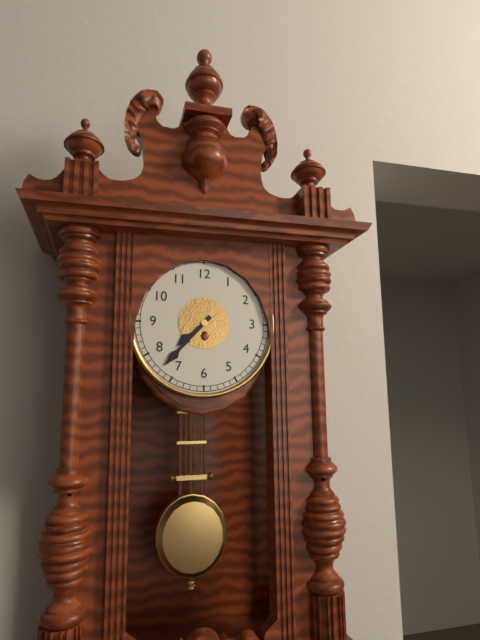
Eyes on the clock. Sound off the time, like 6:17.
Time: 7:37
